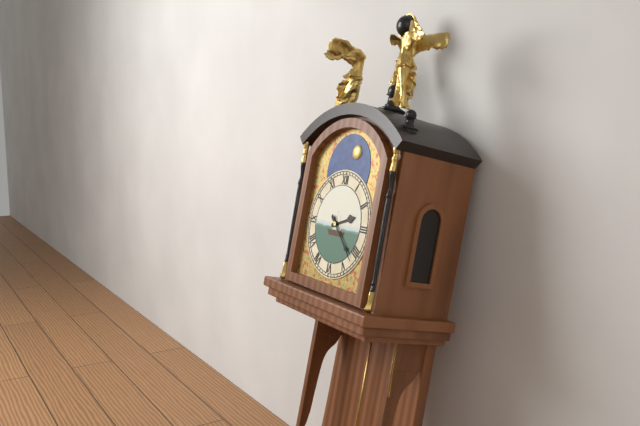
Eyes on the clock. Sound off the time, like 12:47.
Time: 2:22
